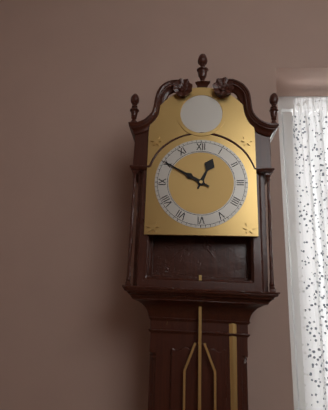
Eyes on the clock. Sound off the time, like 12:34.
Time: 12:50
